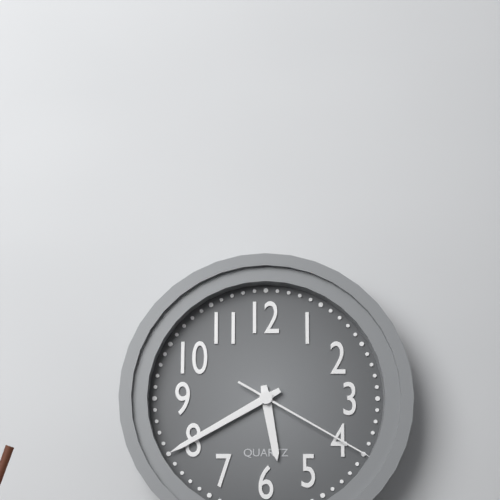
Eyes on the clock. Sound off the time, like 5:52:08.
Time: 5:40:20
